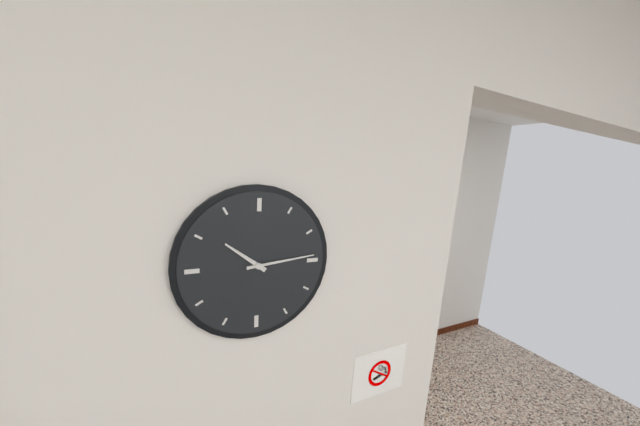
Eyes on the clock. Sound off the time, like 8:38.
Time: 10:14
